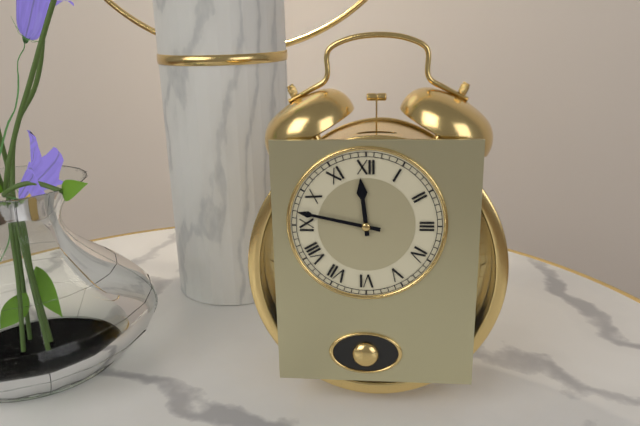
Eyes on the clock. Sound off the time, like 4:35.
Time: 11:47
